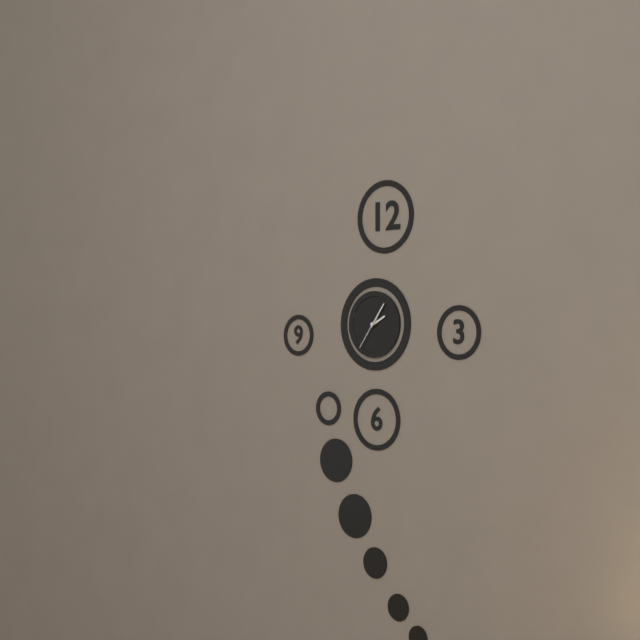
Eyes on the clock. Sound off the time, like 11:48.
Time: 2:06
